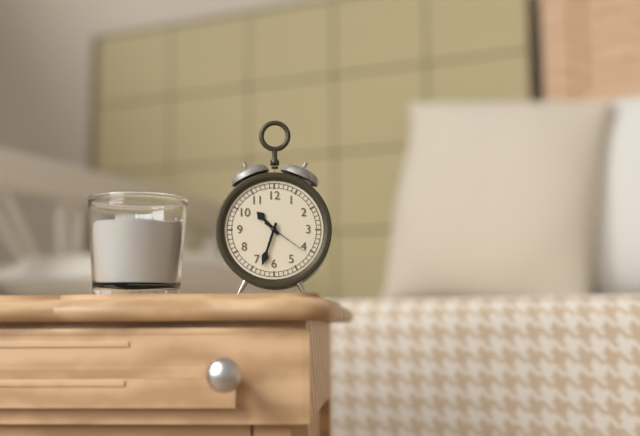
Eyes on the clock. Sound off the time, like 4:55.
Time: 10:33
